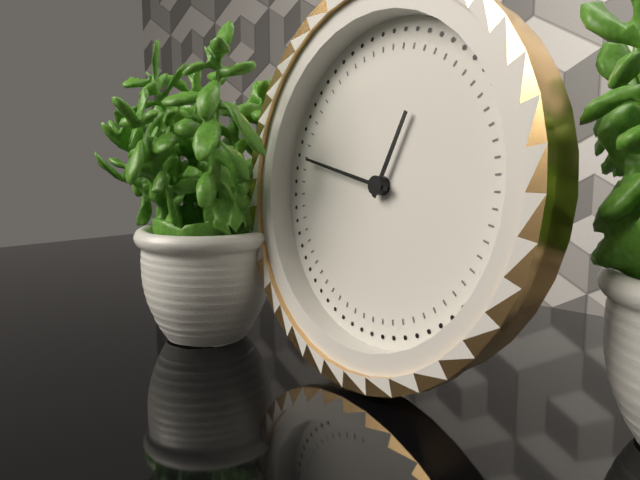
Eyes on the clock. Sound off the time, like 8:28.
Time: 12:47
